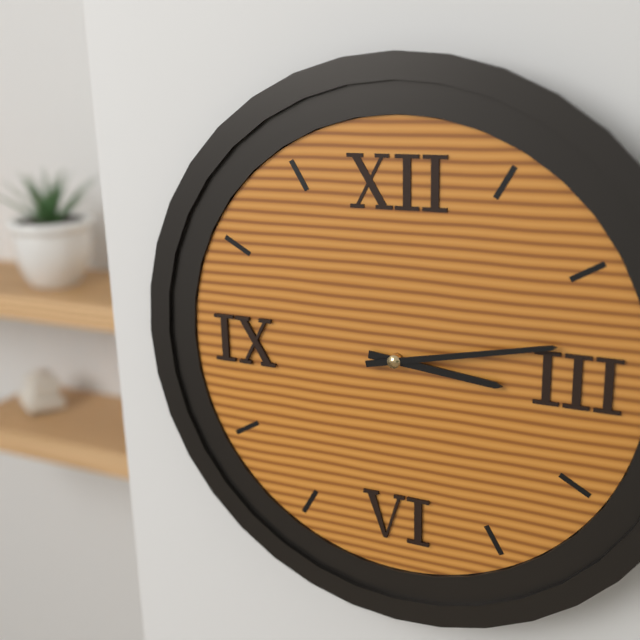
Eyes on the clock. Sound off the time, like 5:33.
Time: 3:13
